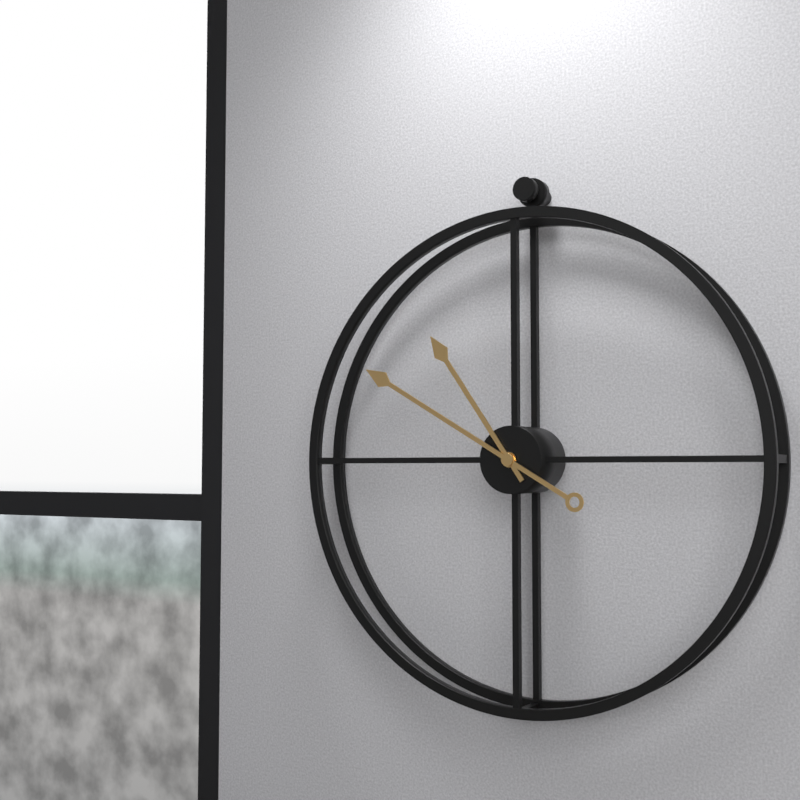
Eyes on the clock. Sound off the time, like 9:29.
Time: 10:50
